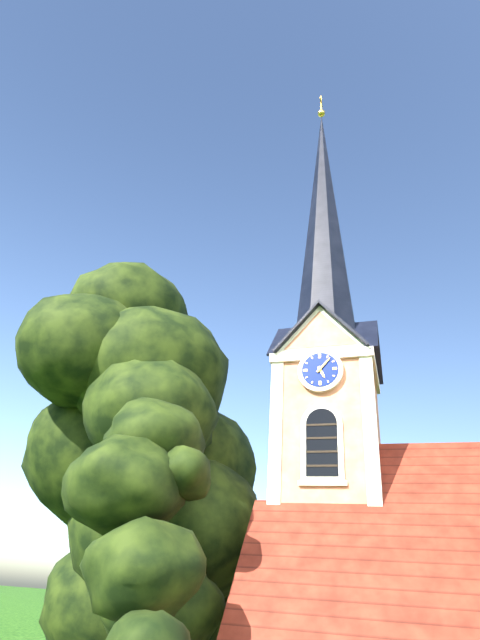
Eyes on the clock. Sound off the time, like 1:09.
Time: 5:07
